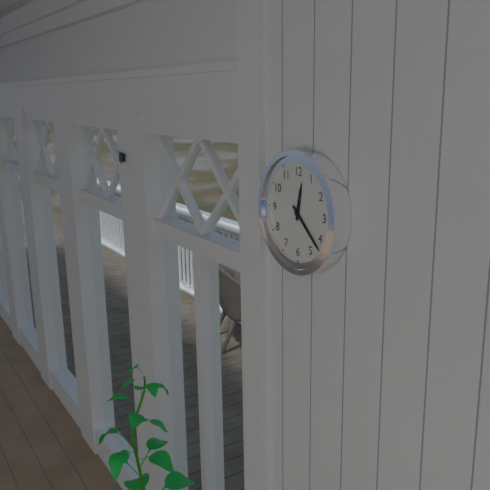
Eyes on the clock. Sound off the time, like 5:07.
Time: 12:22
